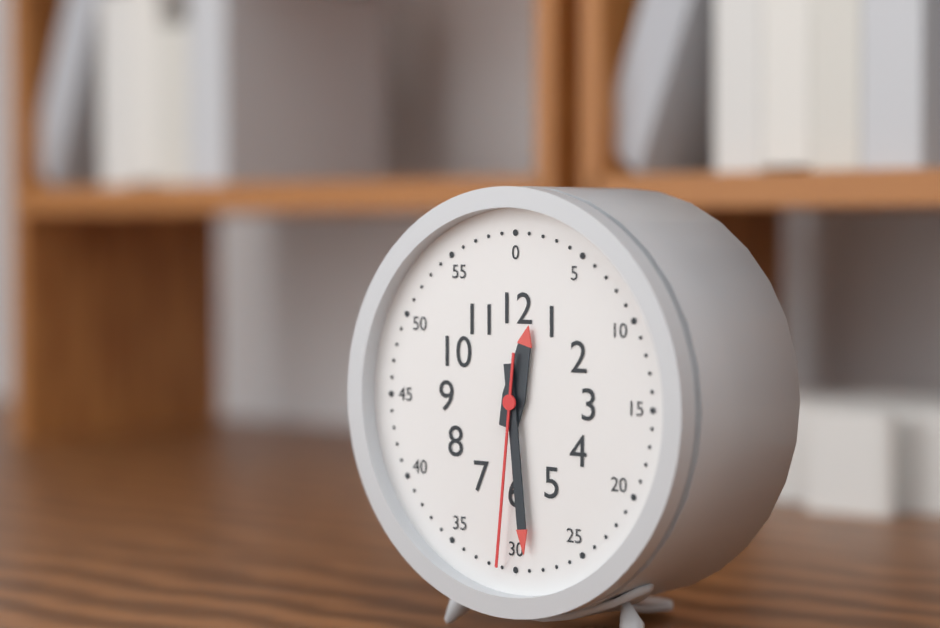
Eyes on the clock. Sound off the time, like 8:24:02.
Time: 12:29:31
